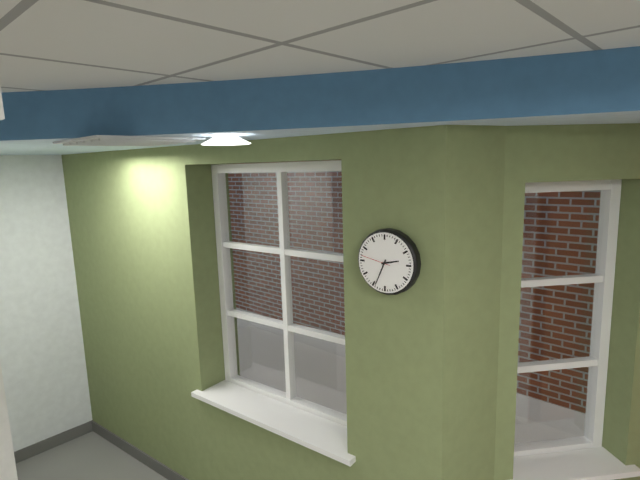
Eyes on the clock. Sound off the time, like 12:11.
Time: 2:34
